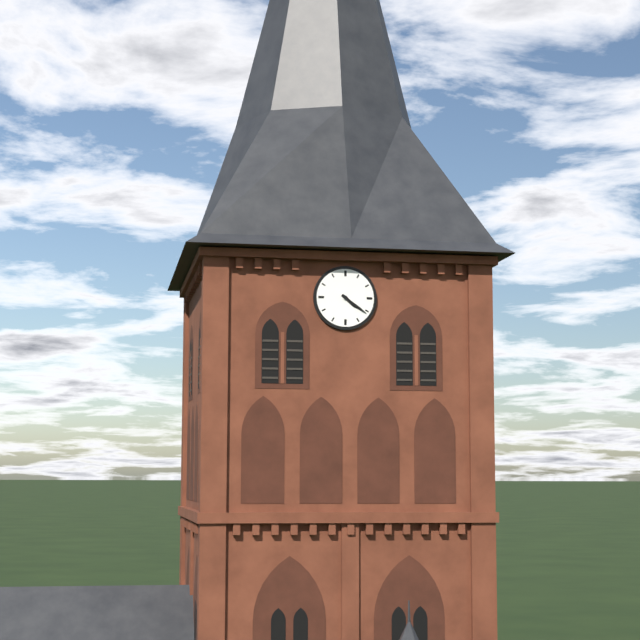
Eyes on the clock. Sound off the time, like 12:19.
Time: 4:21
